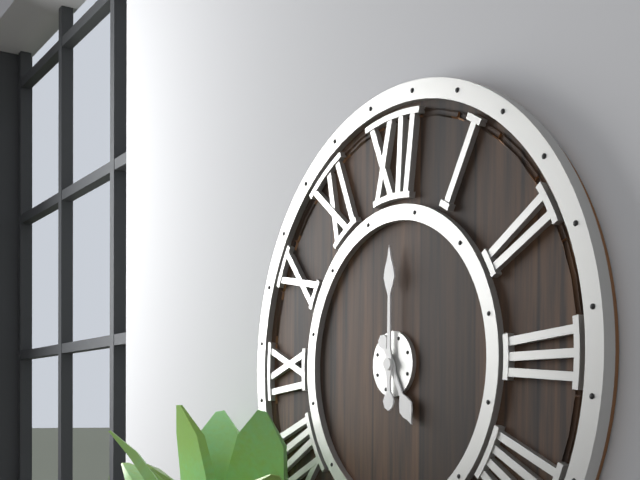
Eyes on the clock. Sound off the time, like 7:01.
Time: 5:00
